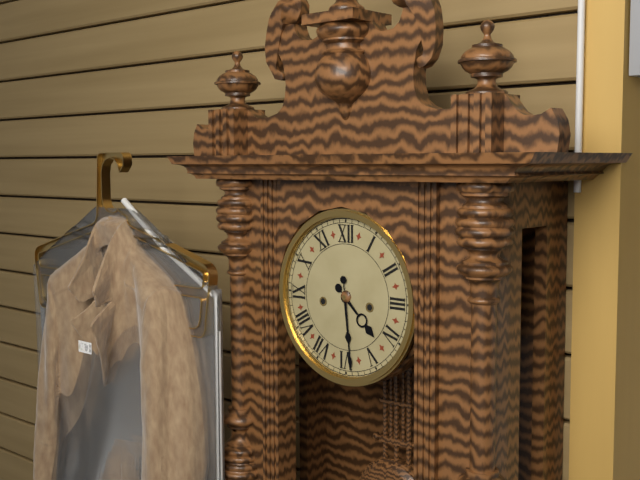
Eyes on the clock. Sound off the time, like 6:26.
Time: 4:29
